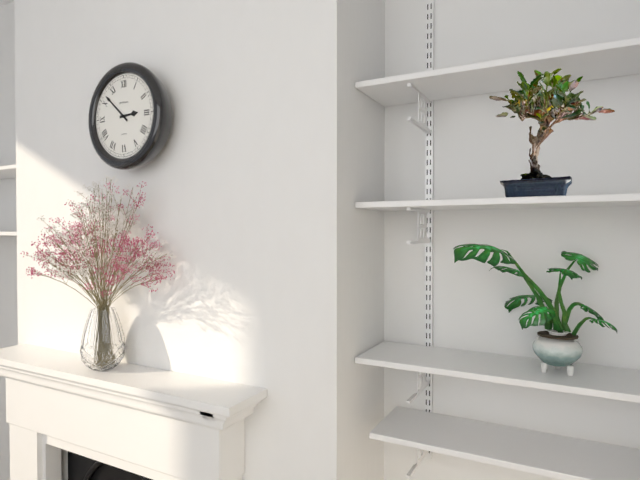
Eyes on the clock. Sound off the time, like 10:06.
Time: 2:52
